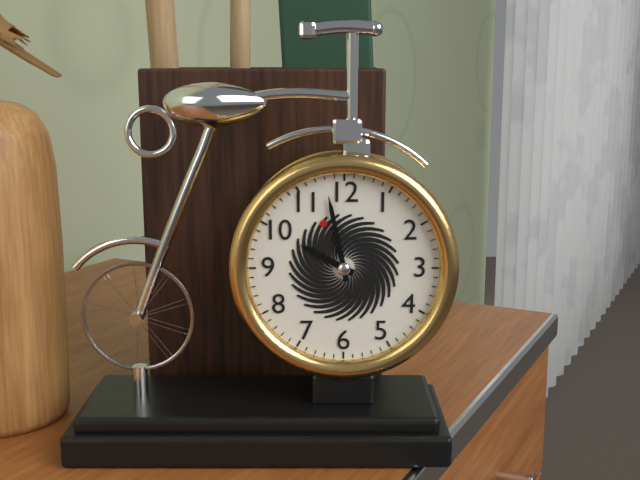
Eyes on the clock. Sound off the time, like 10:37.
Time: 9:58
